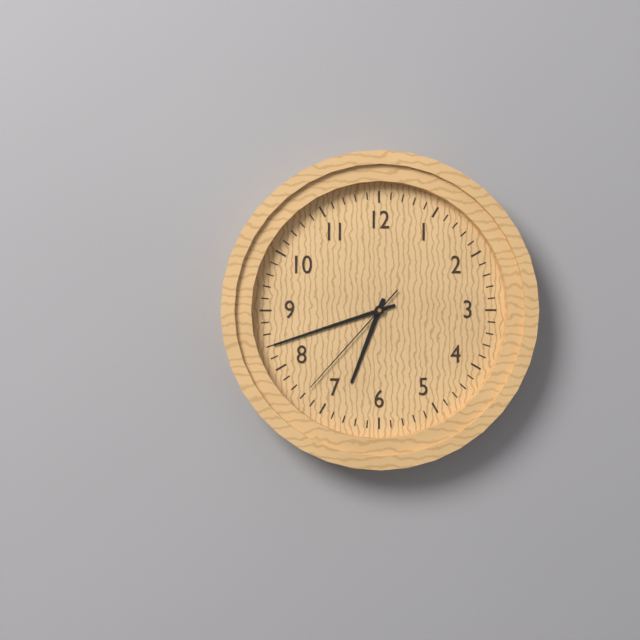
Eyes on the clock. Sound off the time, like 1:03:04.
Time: 6:42:37
